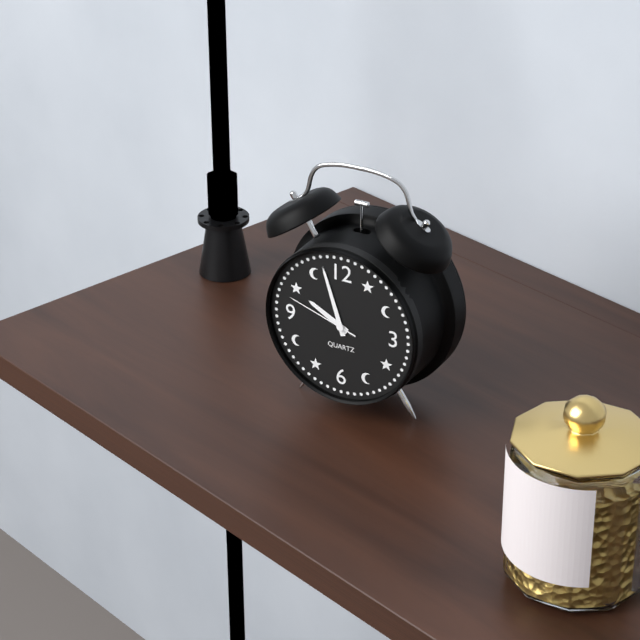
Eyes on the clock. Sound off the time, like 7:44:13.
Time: 9:57:48
